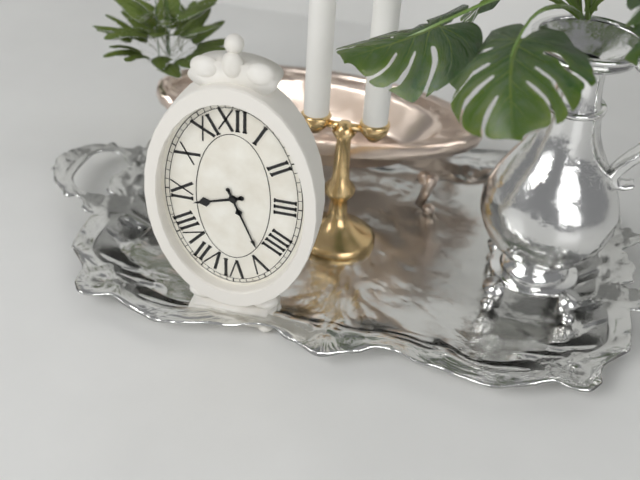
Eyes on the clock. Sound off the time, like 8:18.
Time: 8:26
